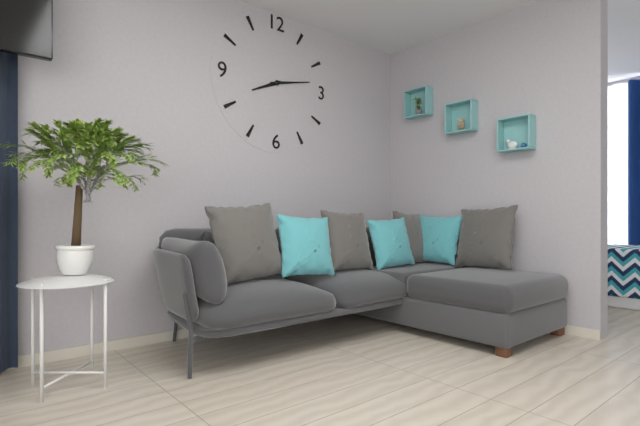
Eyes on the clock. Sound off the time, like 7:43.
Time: 8:13
